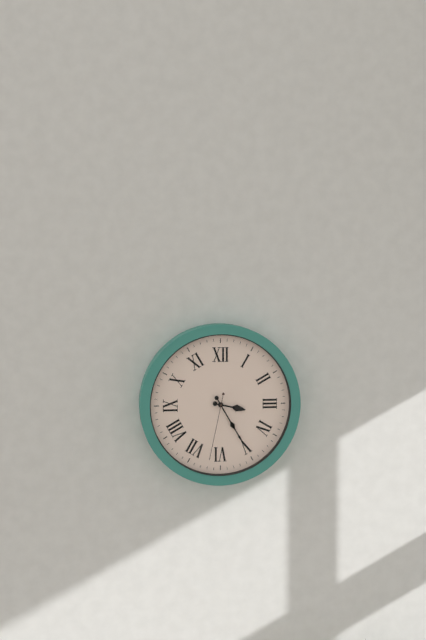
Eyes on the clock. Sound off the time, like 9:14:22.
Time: 3:25:32
